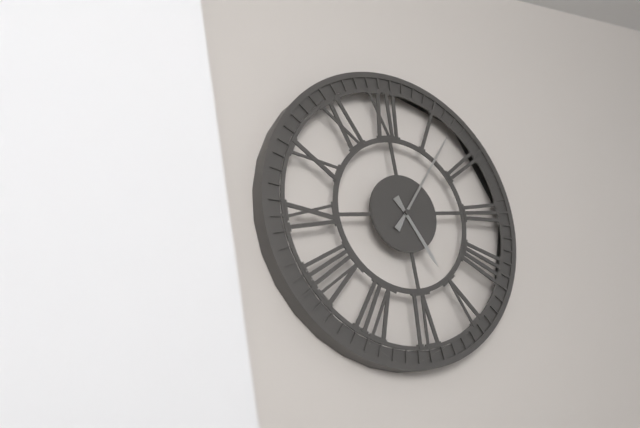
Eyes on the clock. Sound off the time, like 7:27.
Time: 5:07
